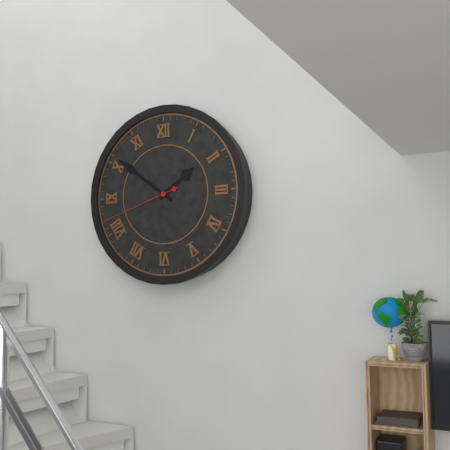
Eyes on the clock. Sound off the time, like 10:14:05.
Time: 1:51:42
